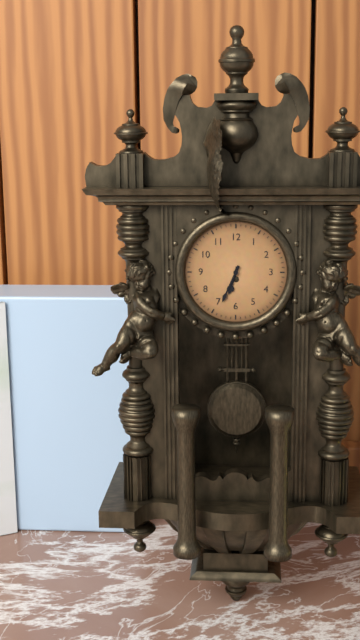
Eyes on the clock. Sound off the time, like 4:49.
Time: 6:34
